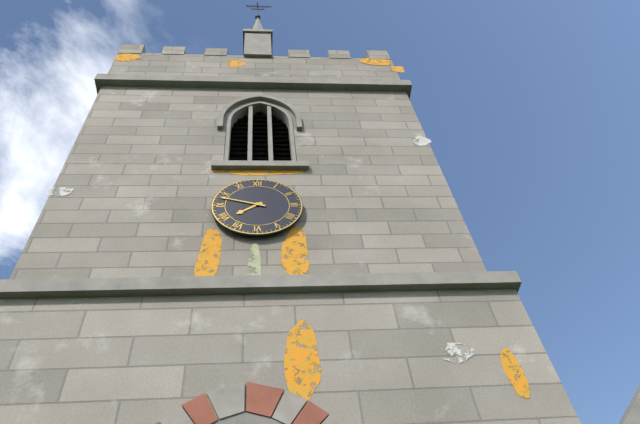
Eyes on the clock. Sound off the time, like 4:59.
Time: 7:48
